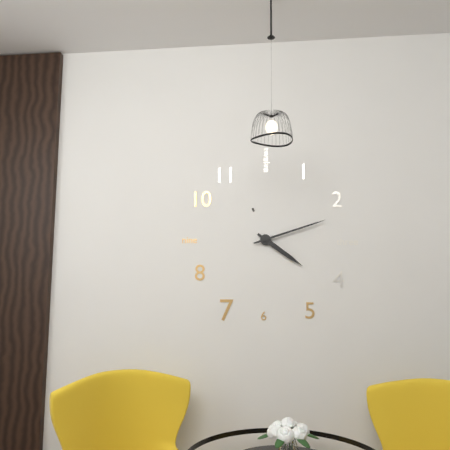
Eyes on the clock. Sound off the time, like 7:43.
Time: 4:12
